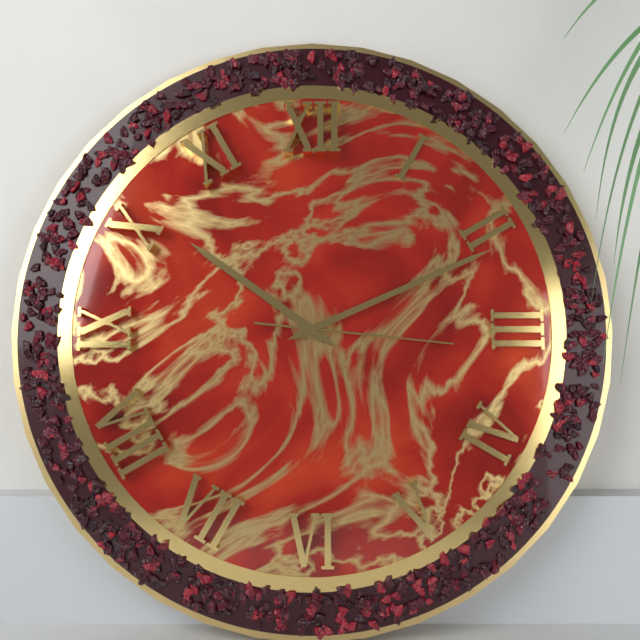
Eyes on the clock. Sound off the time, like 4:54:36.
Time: 10:11:16
